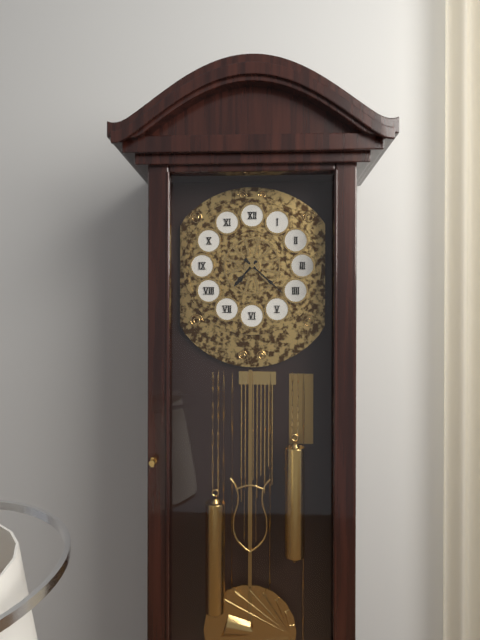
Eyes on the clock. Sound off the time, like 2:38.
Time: 7:22
